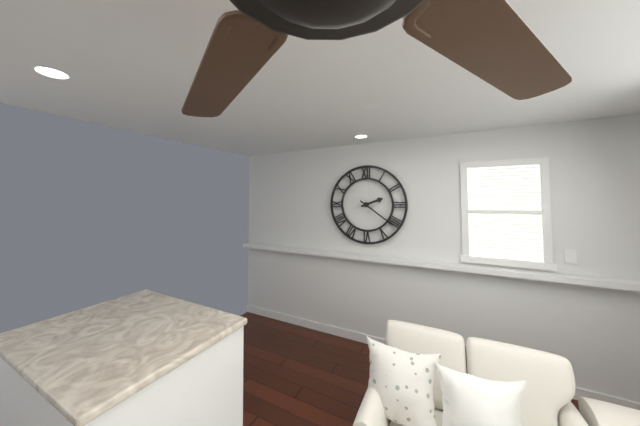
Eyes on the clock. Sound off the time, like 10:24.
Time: 2:21
